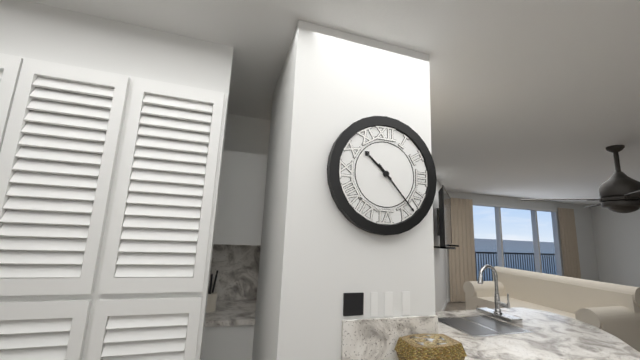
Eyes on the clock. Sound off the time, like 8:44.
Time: 10:23
